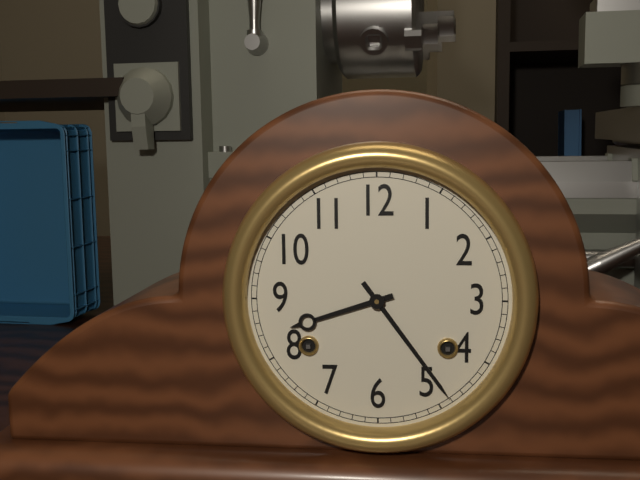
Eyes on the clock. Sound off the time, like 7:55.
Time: 8:24
